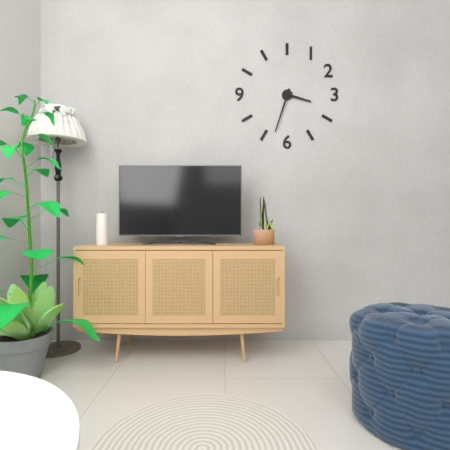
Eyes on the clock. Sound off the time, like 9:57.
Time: 3:33
